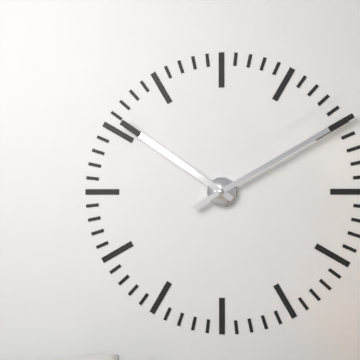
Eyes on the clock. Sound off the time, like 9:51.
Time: 10:10
